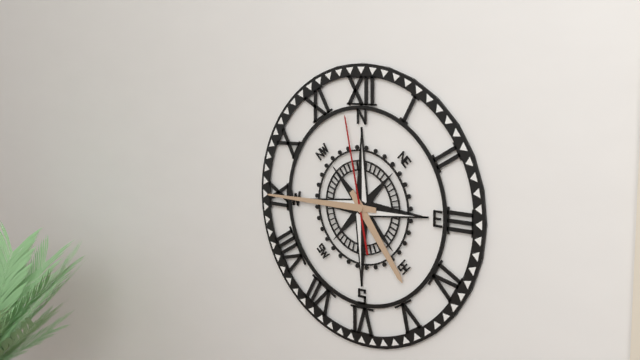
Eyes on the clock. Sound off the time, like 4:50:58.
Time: 4:45:58
